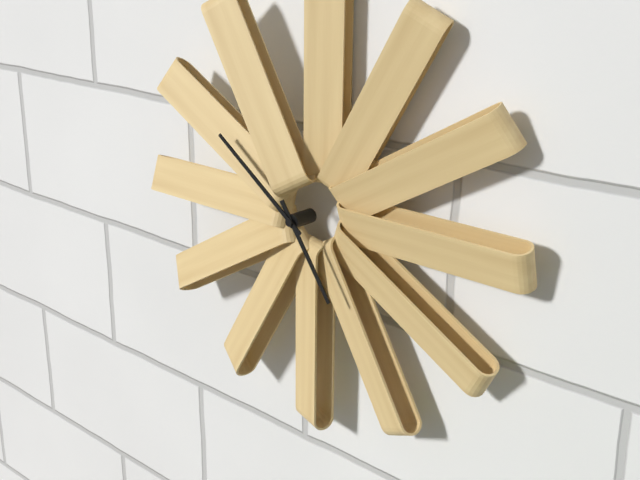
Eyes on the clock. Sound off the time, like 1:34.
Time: 4:51
